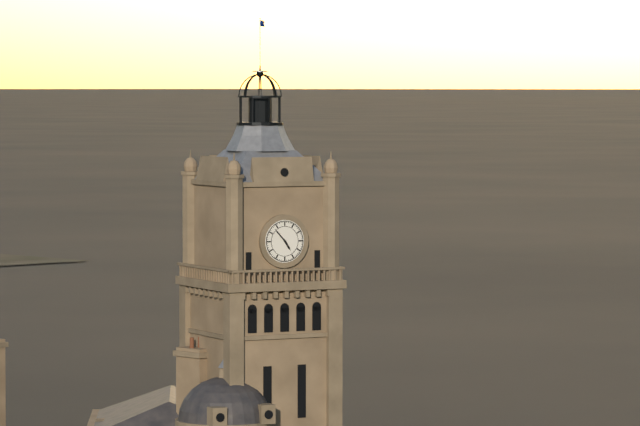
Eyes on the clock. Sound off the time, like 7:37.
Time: 4:53
